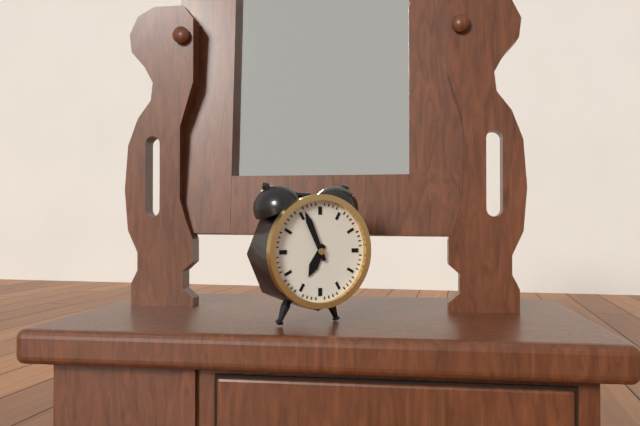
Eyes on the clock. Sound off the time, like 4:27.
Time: 6:56
